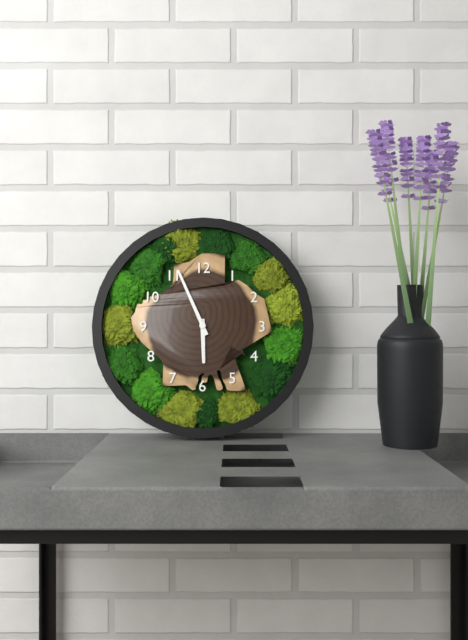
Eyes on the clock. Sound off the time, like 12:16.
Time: 5:56
